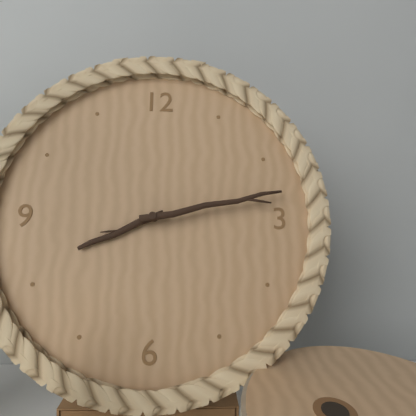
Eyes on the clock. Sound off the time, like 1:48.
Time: 8:13
